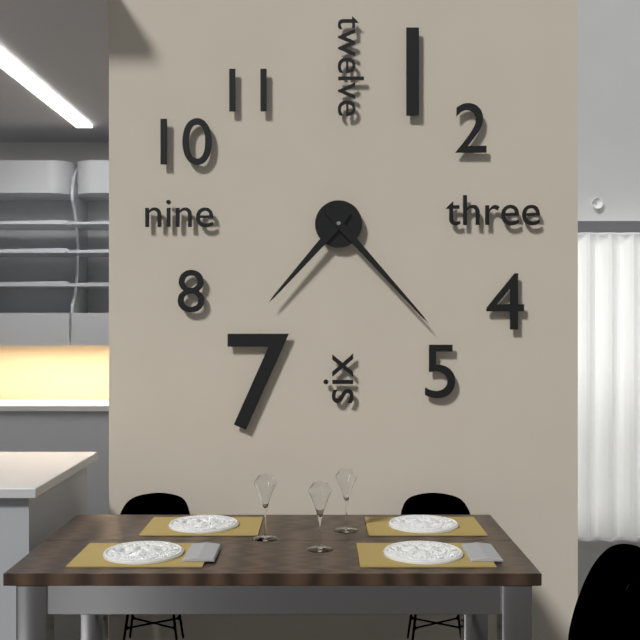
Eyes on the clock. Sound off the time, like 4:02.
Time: 7:23
